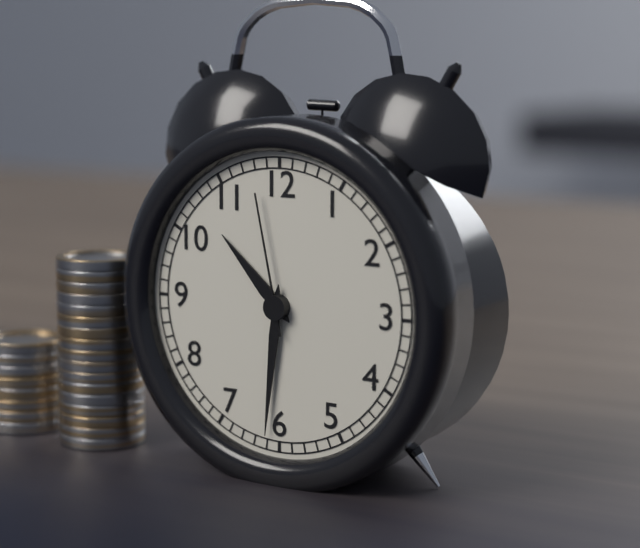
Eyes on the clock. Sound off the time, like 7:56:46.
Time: 10:31:58
